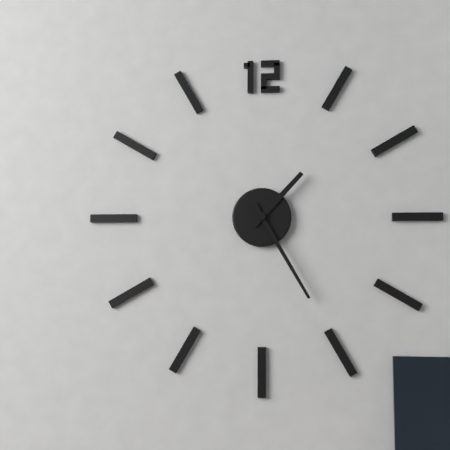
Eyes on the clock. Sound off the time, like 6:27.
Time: 1:25
